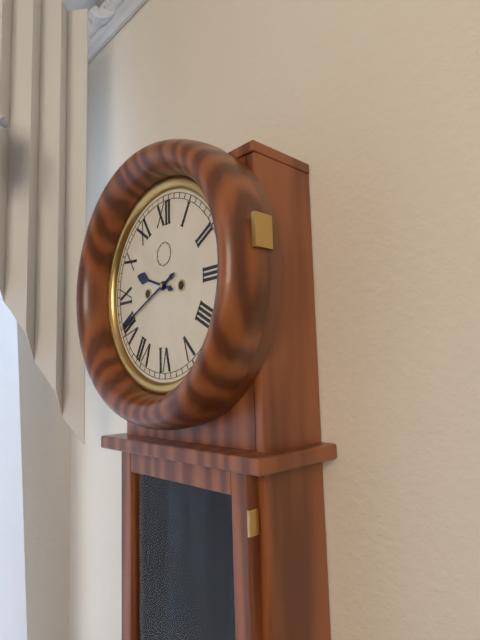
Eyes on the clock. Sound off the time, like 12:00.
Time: 9:41
